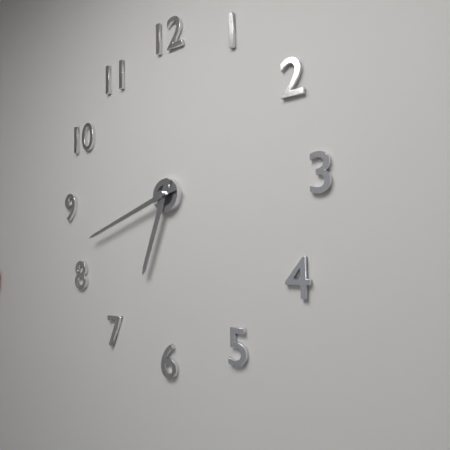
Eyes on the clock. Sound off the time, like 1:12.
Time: 6:42
